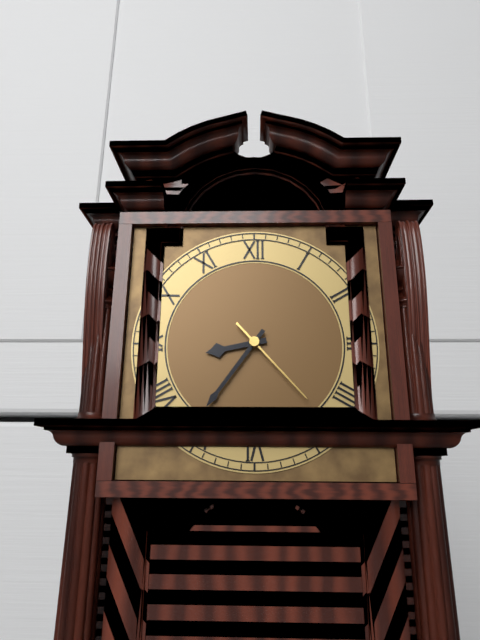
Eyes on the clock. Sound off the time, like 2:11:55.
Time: 8:36:23
